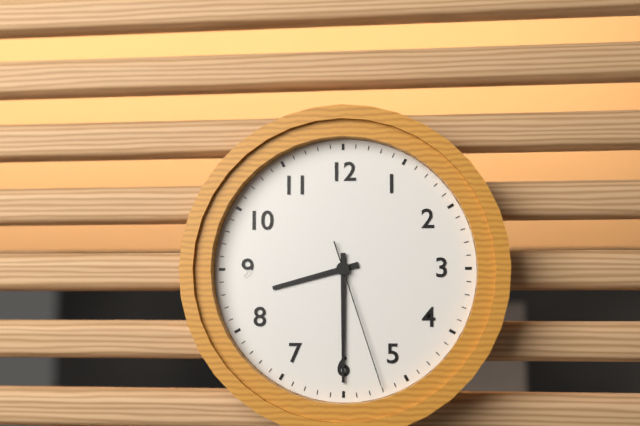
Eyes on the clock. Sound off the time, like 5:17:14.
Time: 8:30:27
